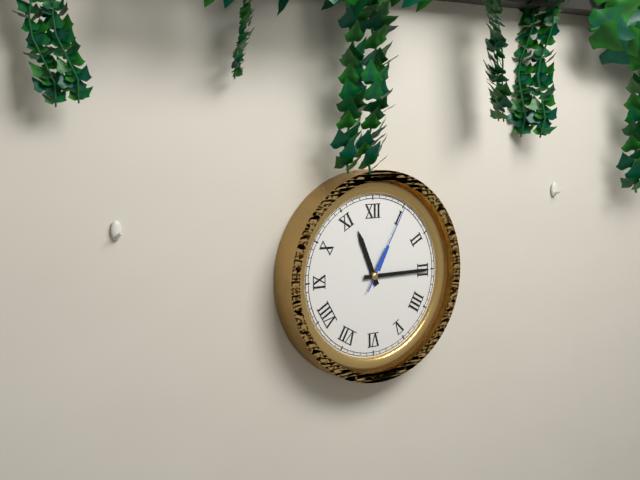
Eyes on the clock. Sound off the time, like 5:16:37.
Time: 11:15:05
